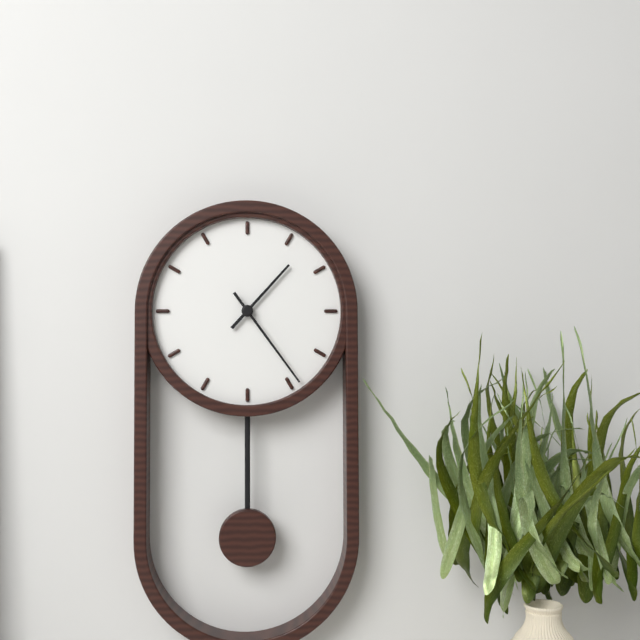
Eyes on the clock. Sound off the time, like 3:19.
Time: 1:24
